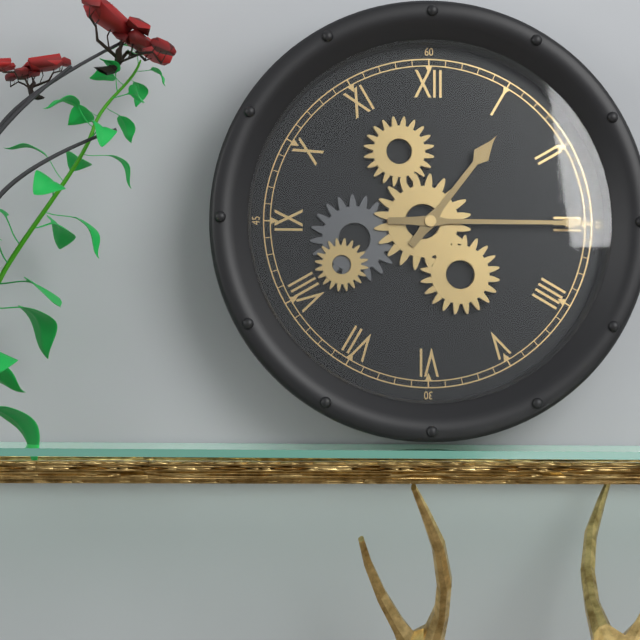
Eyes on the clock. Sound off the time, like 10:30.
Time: 1:15
